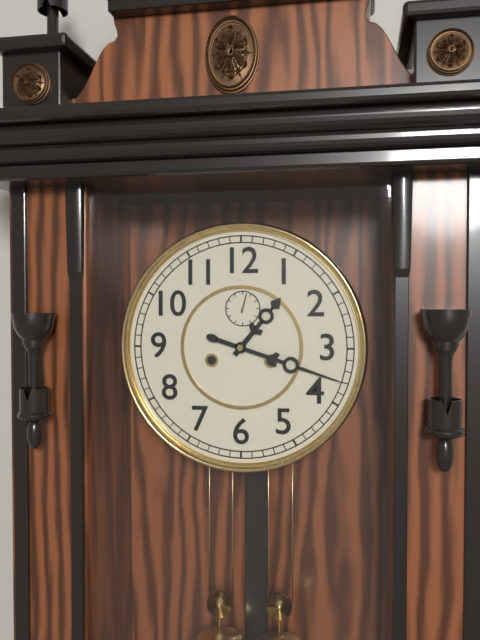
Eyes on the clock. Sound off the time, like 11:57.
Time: 1:18
